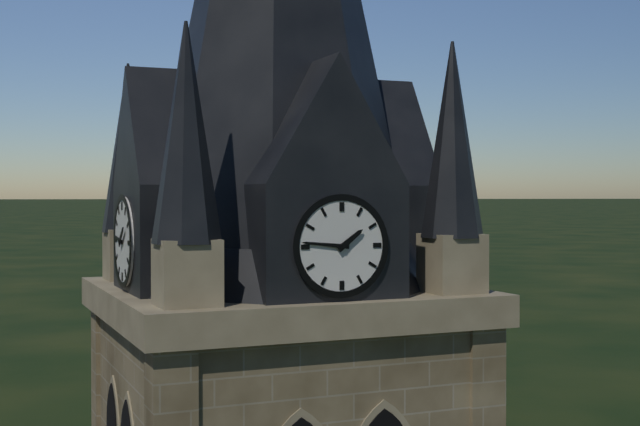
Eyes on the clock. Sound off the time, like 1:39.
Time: 1:46
